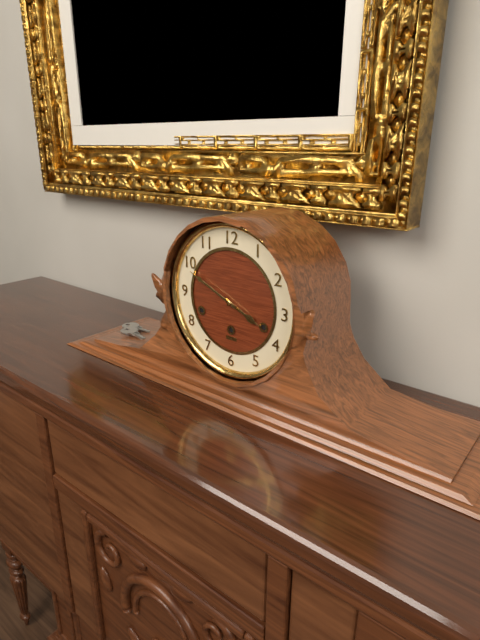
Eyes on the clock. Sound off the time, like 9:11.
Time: 3:49
